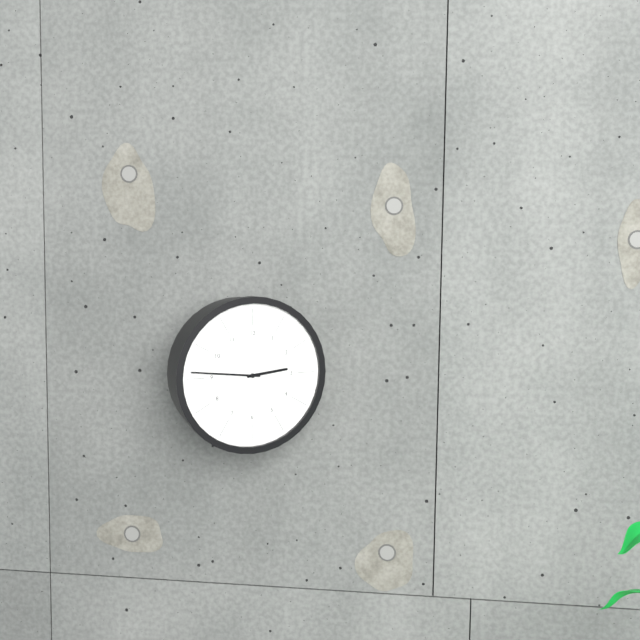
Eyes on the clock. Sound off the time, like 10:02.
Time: 2:46
